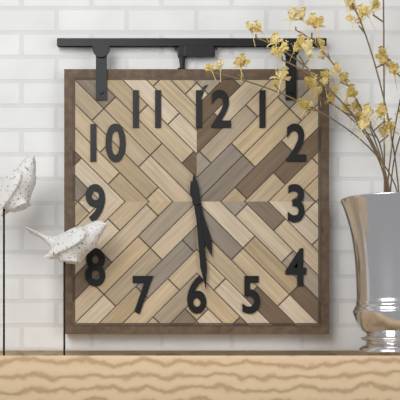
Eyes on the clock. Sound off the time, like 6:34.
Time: 5:29
